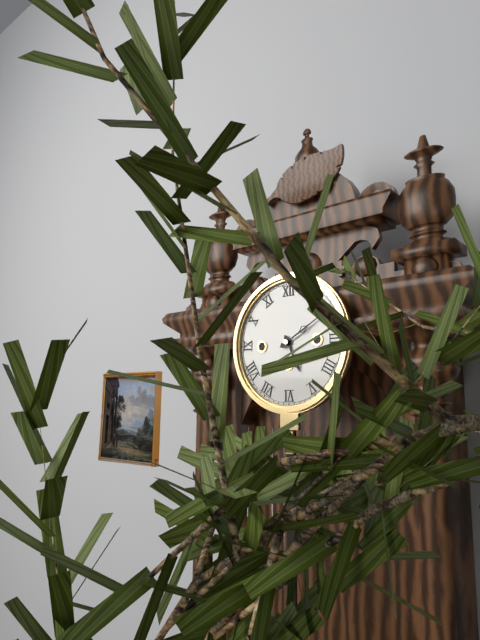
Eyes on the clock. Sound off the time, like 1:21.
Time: 5:10
